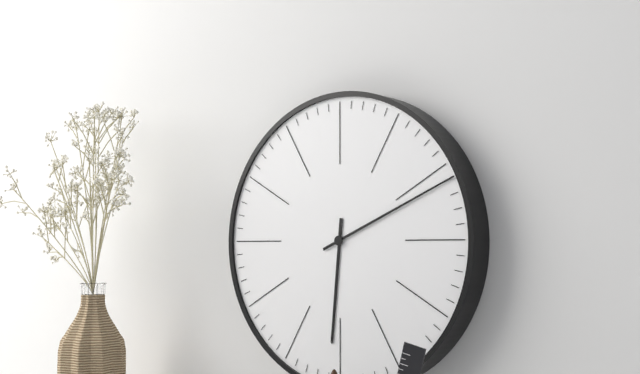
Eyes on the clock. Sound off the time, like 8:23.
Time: 6:11
